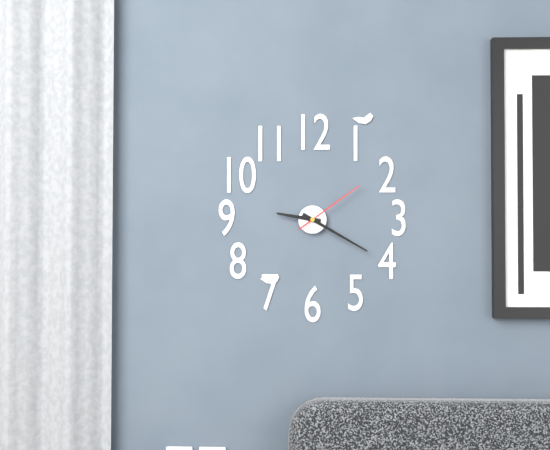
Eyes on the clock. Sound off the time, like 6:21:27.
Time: 9:20:09
